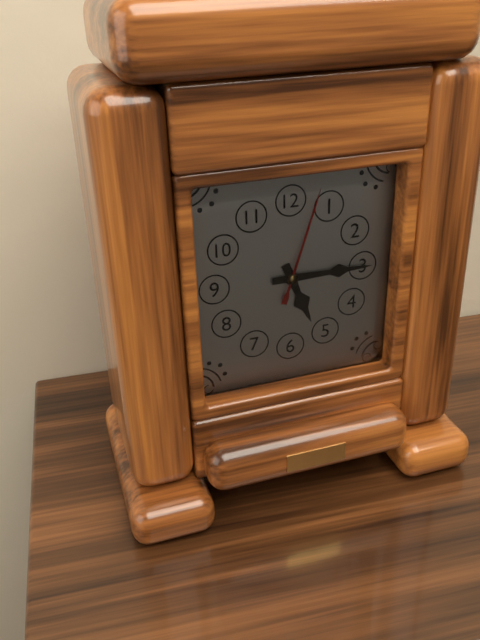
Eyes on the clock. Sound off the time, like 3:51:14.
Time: 5:15:03
